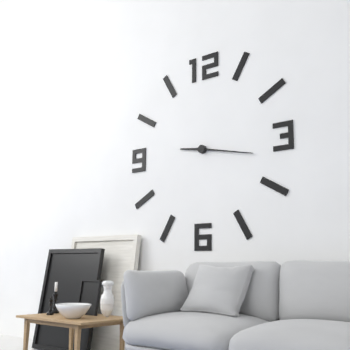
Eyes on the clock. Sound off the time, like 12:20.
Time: 9:17
